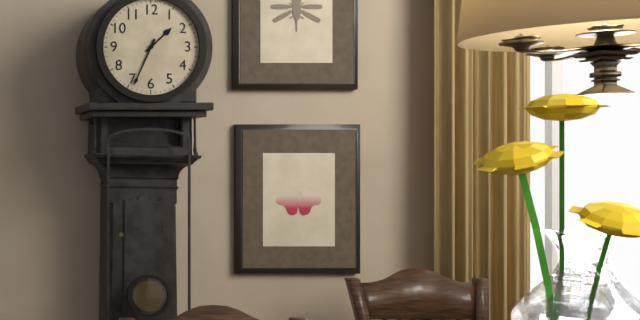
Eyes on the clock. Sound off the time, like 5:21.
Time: 1:34
